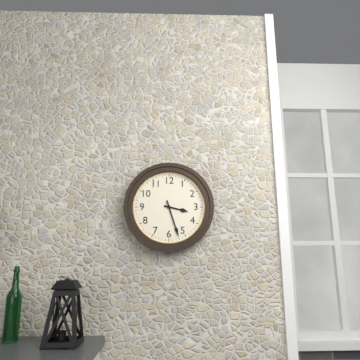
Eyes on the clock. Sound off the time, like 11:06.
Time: 3:27
